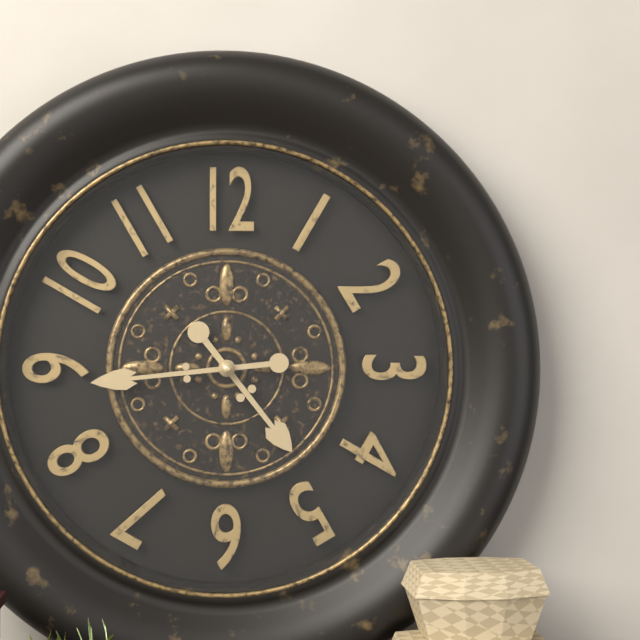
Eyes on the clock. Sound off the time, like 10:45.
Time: 4:44
